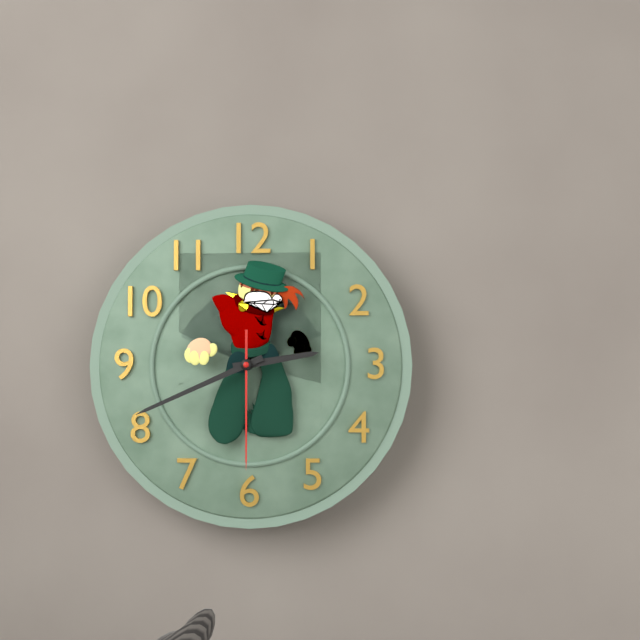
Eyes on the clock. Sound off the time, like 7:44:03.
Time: 2:41:30
